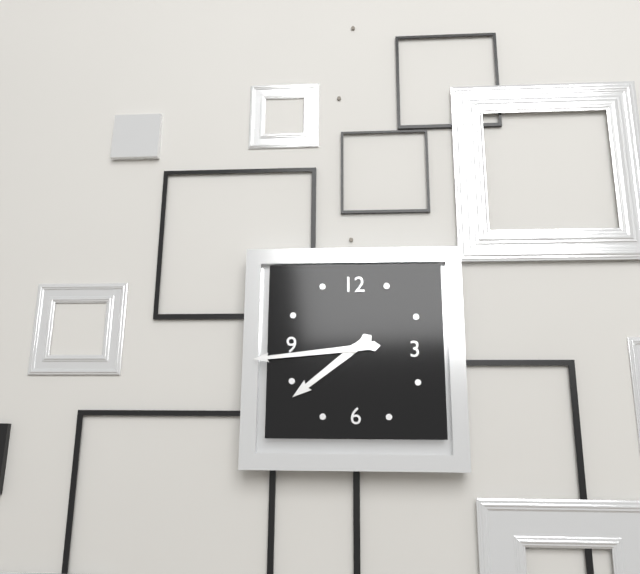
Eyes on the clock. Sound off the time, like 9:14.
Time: 7:44
